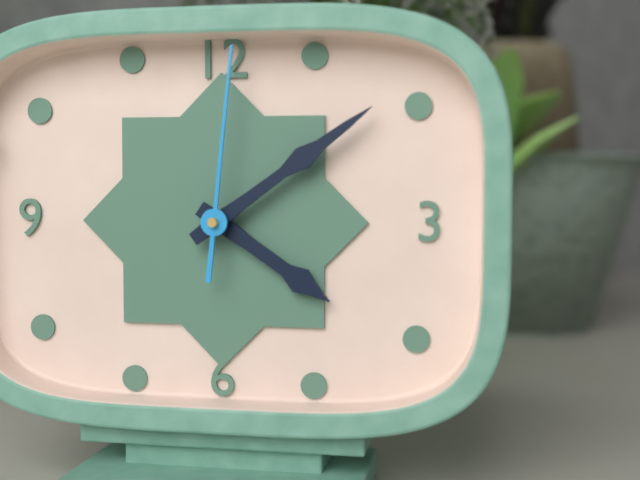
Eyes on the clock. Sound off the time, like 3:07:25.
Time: 4:09:01
